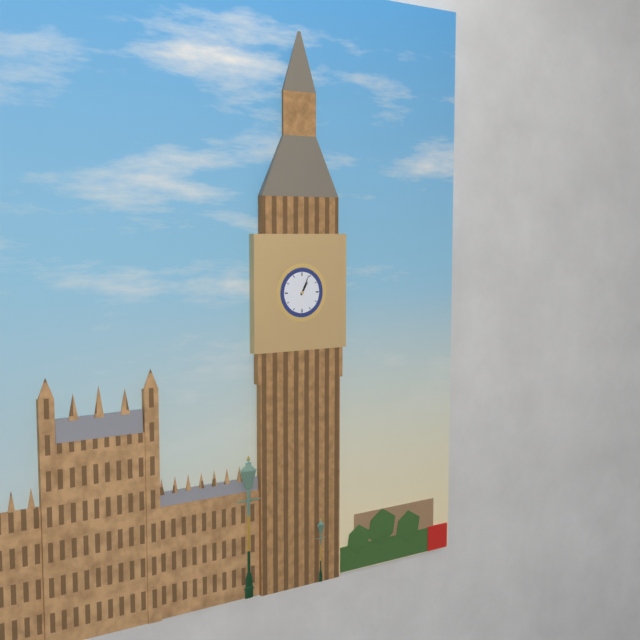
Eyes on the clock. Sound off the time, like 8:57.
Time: 1:04
